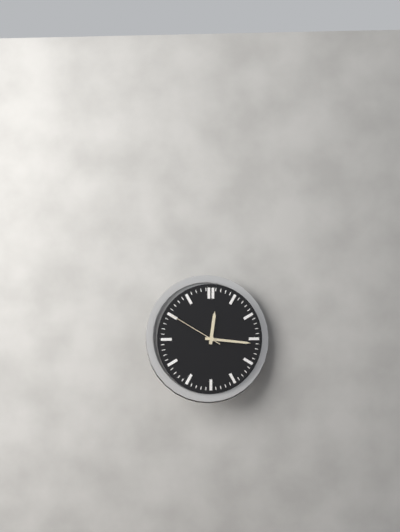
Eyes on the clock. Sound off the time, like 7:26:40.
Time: 12:16:50
